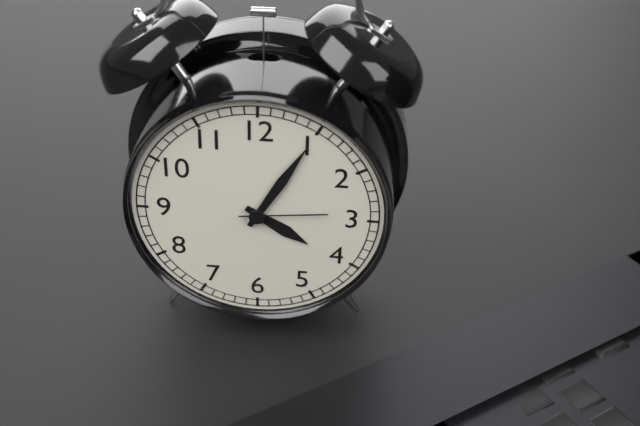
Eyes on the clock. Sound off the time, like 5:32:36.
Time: 4:05:14
